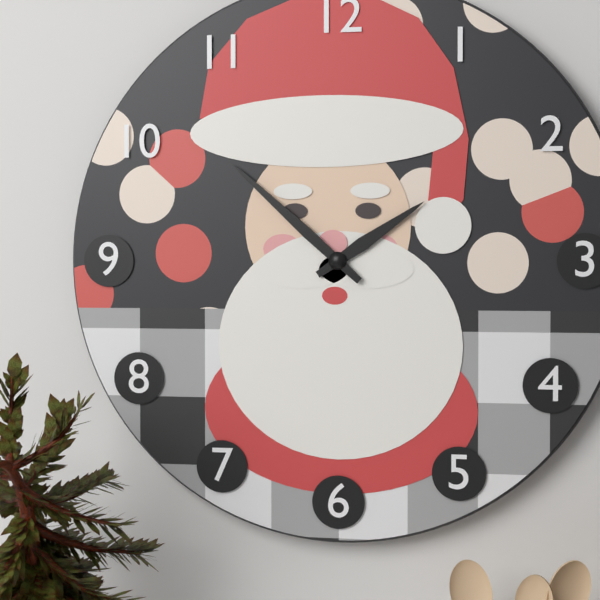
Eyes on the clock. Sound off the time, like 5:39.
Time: 1:52
